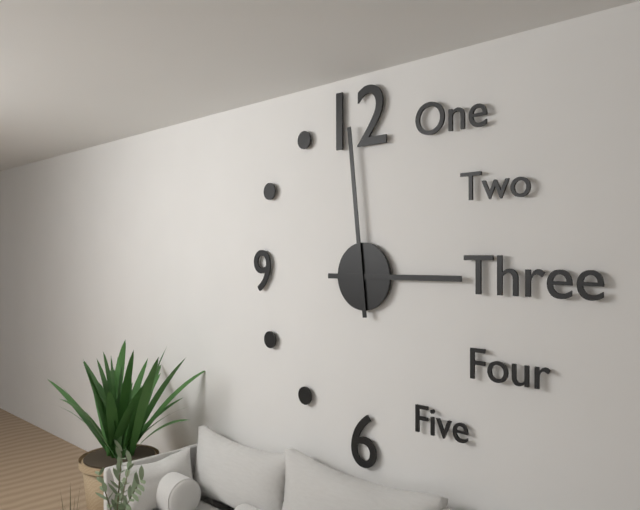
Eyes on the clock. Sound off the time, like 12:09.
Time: 2:59
